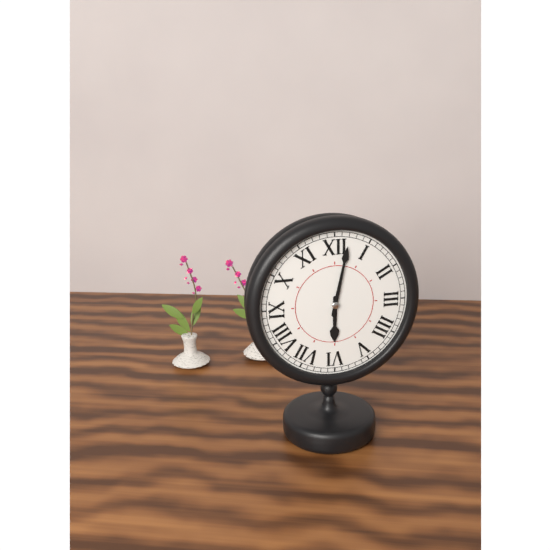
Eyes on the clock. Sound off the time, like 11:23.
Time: 6:02
